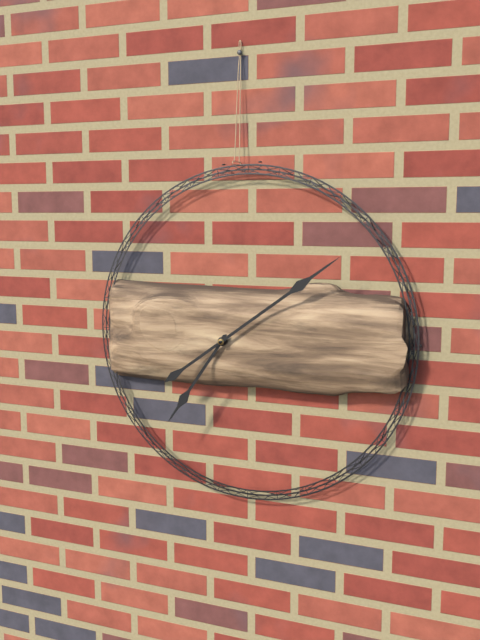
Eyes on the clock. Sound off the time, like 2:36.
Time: 7:09
